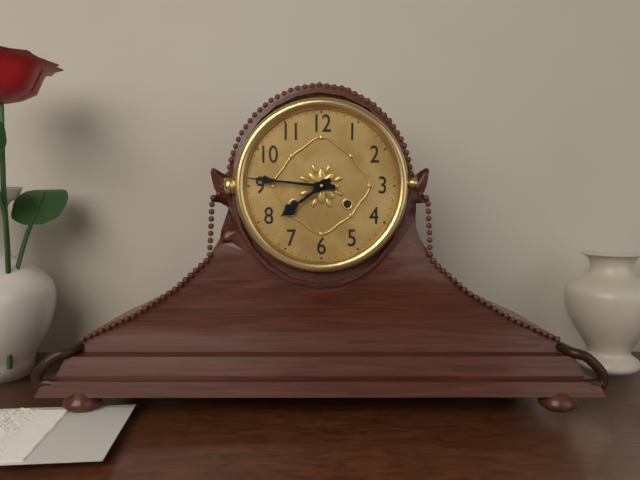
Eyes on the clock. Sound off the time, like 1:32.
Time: 7:46
